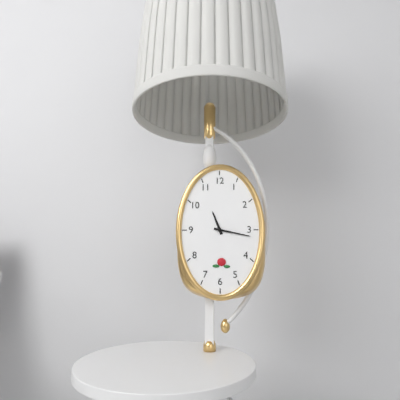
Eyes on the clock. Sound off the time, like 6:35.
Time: 11:17
